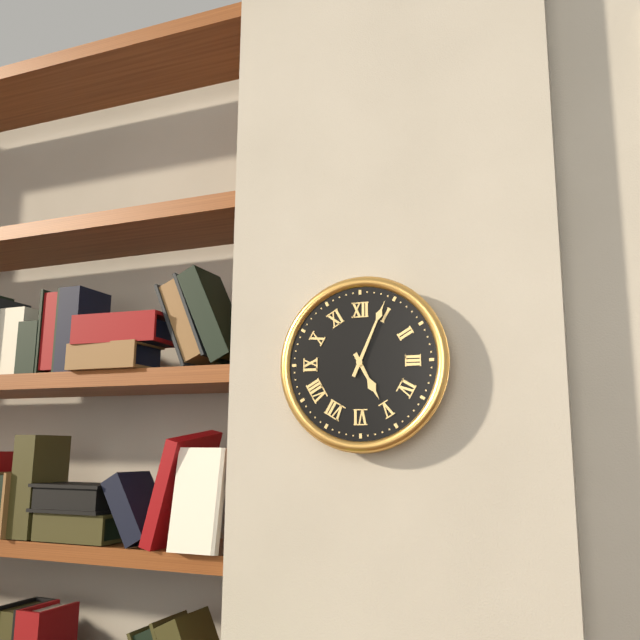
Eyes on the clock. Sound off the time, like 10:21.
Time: 5:04
